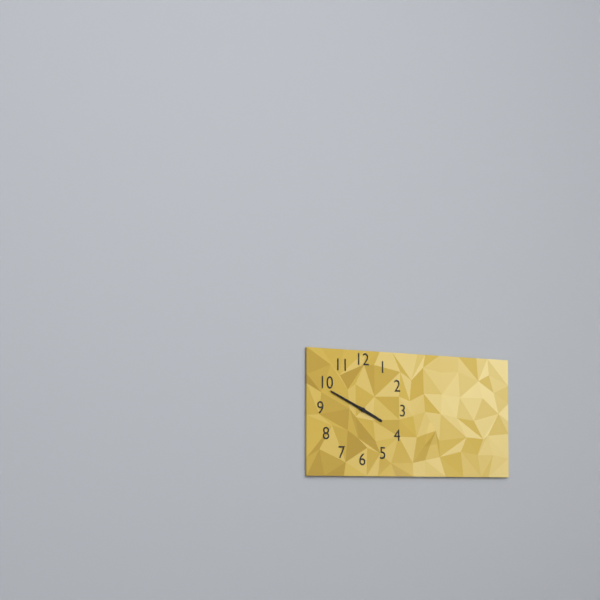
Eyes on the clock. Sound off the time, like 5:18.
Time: 3:49
